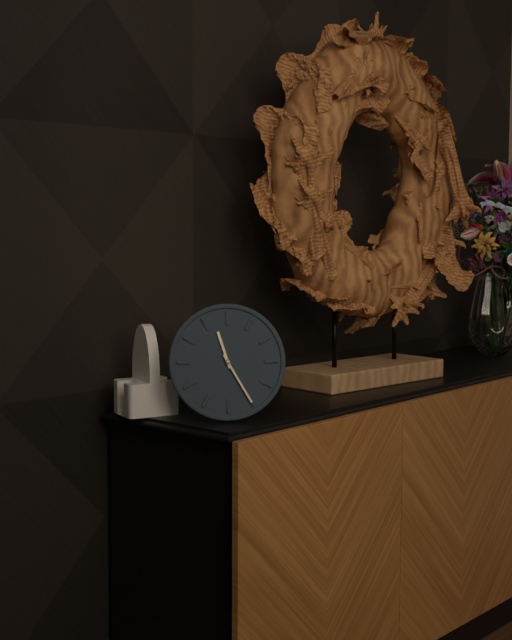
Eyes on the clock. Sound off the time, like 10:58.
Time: 11:25
